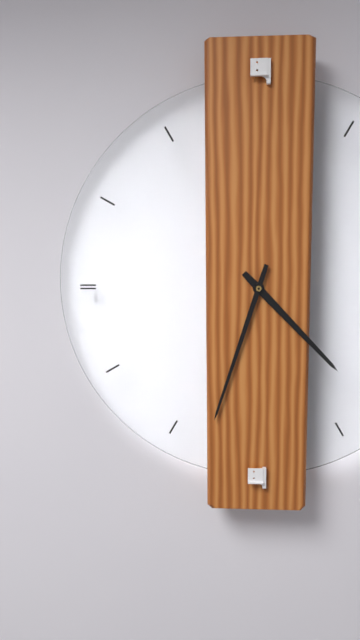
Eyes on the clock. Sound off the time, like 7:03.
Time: 4:33
